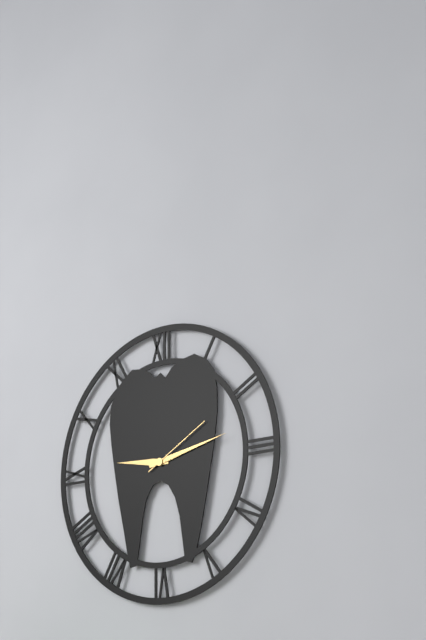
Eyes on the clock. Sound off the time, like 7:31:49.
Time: 9:13:10
